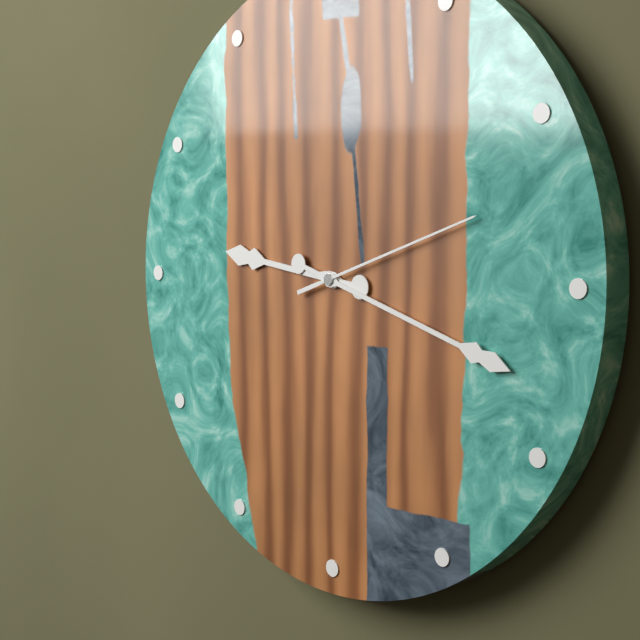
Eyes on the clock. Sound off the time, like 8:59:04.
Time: 9:18:12
